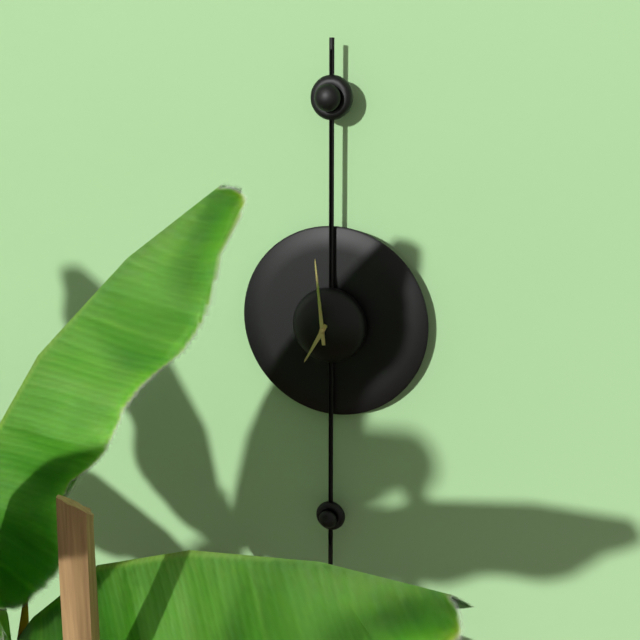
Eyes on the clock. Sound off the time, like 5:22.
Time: 6:59
